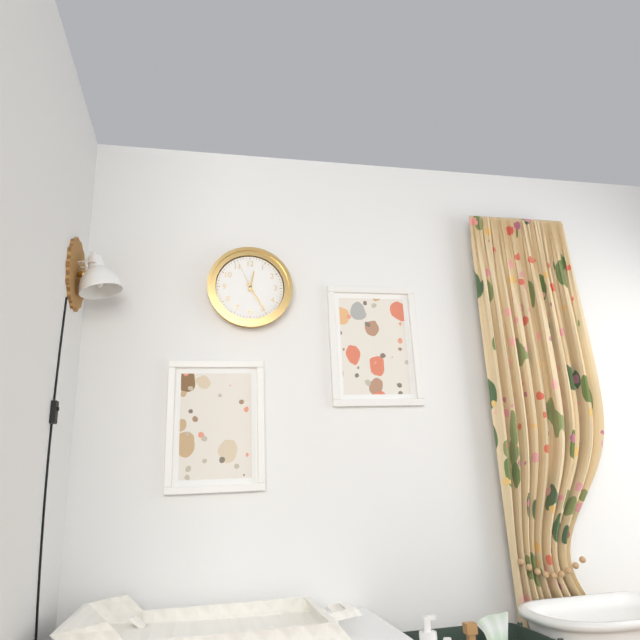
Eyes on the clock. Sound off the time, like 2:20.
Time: 12:25
